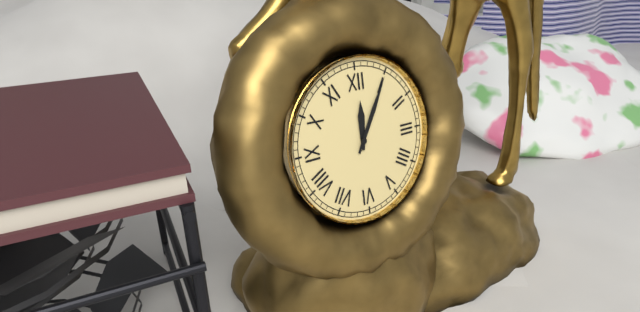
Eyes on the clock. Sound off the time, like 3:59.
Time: 12:05
